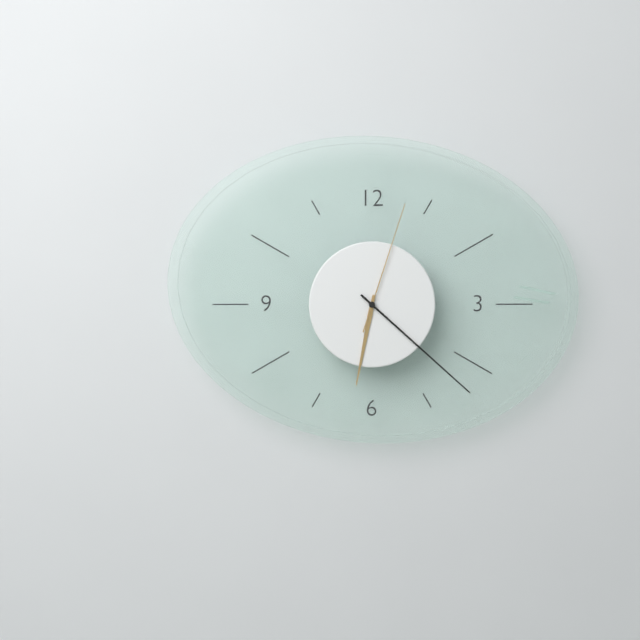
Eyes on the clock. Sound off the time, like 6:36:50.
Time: 6:22:03
